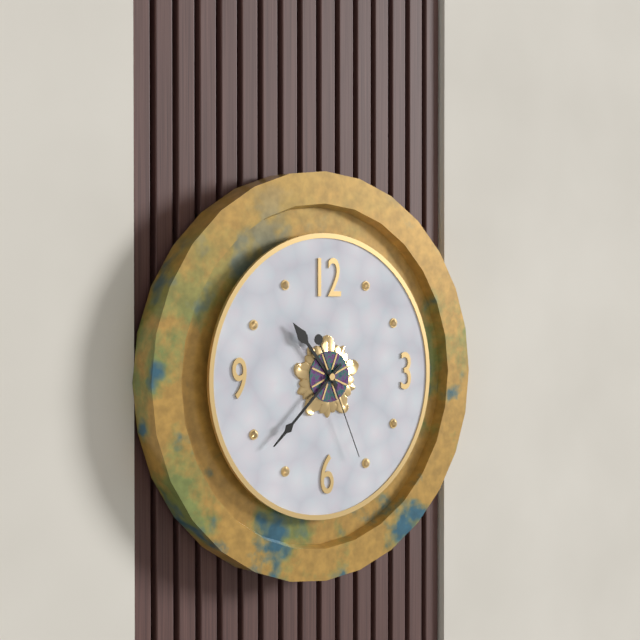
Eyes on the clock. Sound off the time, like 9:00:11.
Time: 10:38:26
